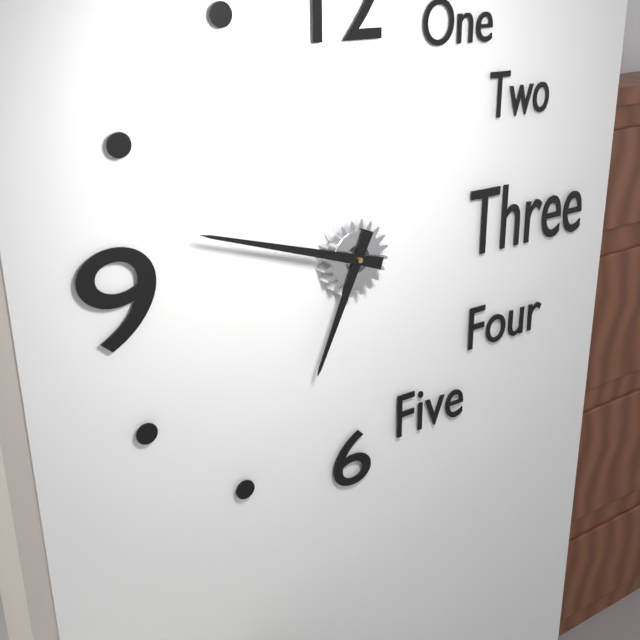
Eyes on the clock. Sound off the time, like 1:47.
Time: 6:48
